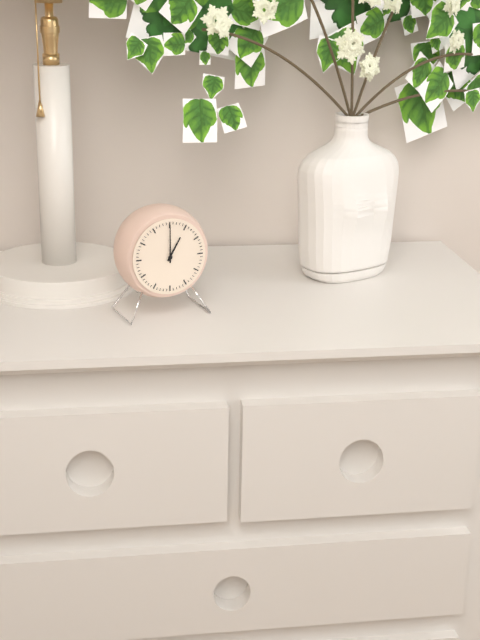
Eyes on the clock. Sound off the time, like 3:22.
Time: 1:00
